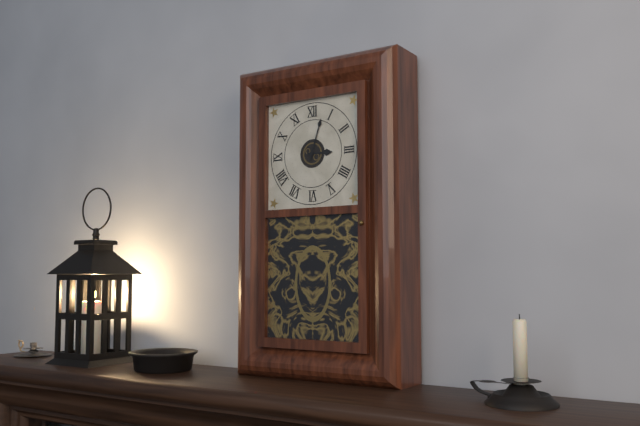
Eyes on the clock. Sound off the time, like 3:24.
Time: 3:03
